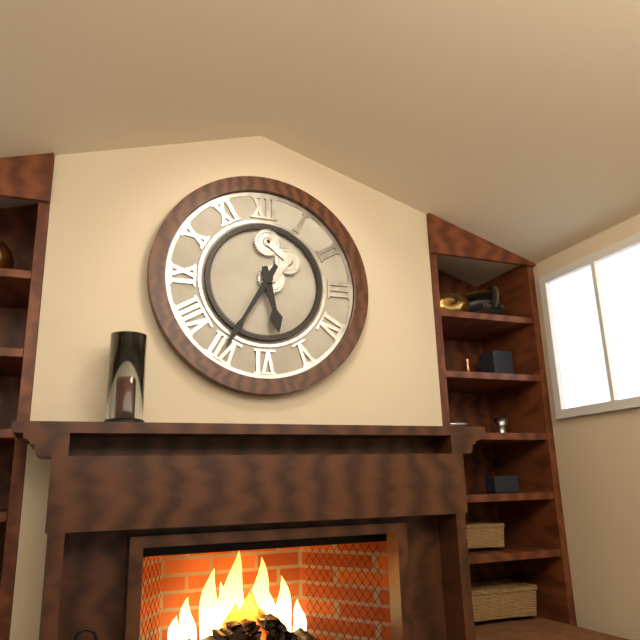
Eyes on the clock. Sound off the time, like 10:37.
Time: 5:35
